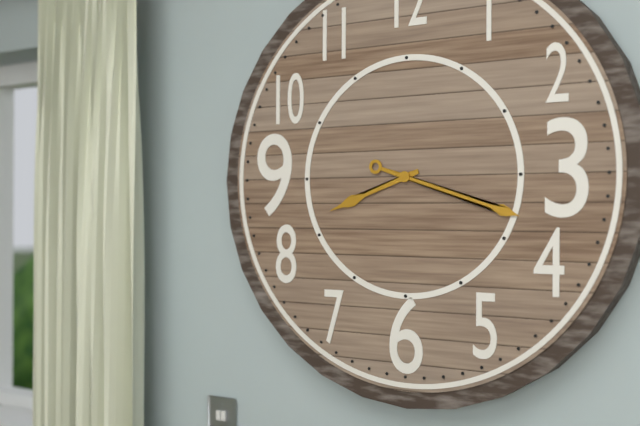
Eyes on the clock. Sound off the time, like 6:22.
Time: 8:18
